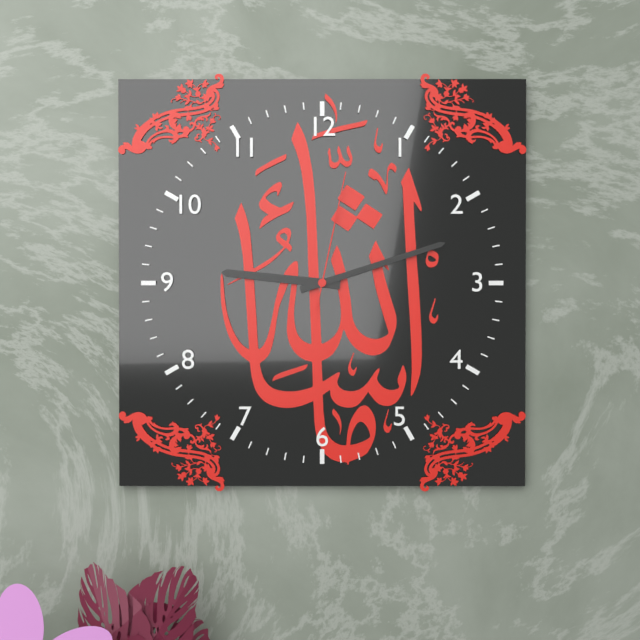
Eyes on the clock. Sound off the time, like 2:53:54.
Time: 9:12:02
